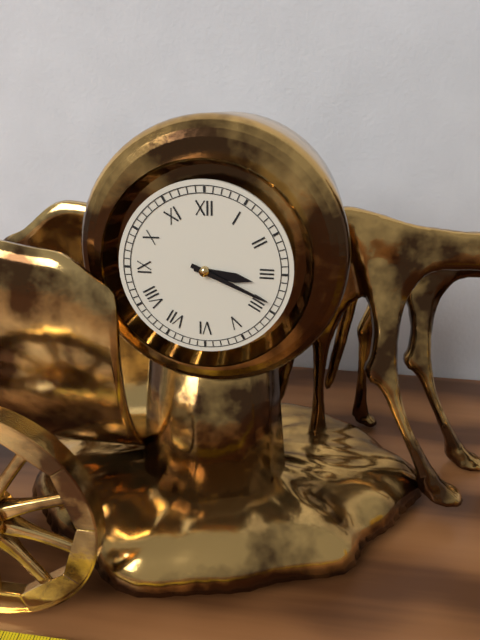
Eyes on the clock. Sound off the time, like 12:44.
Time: 3:19
